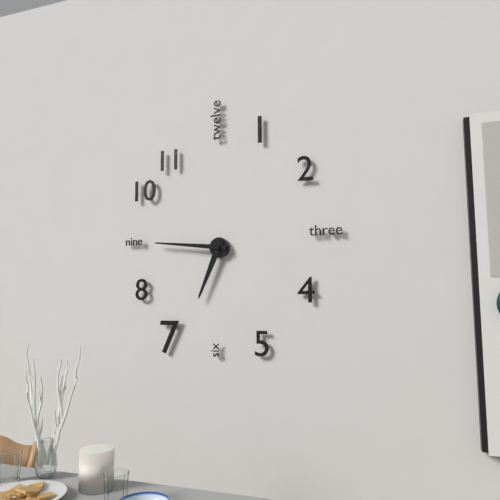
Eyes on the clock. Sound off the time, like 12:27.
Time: 6:46
